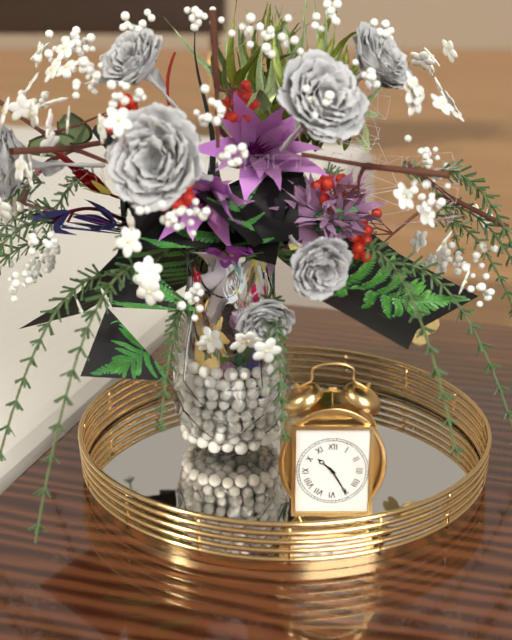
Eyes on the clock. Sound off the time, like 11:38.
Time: 10:25
